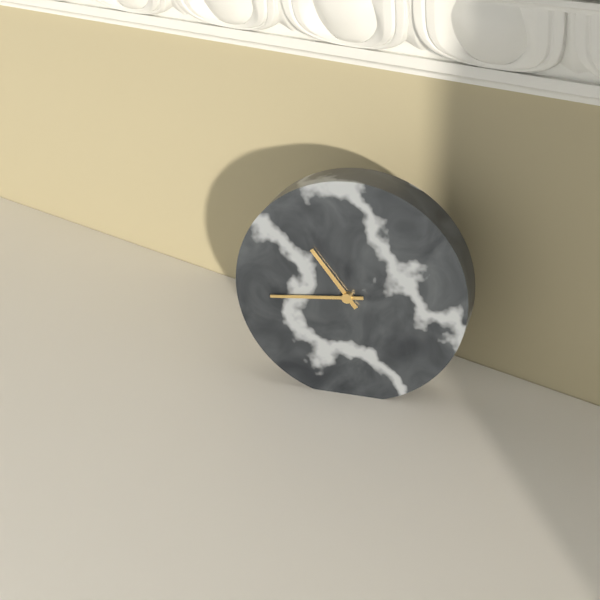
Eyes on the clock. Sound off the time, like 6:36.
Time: 10:44
